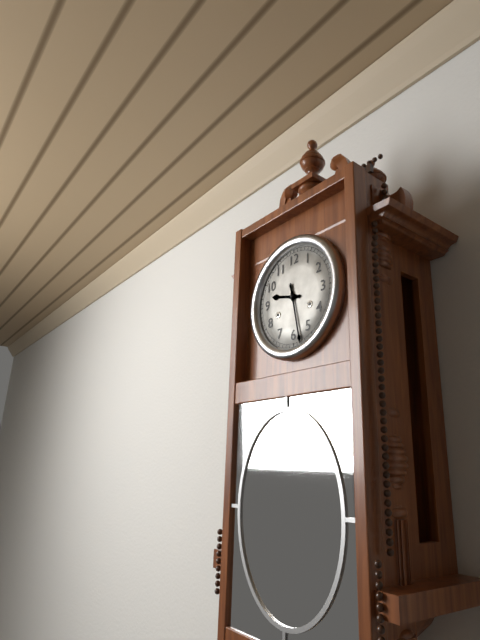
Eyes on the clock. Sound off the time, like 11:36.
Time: 9:28
